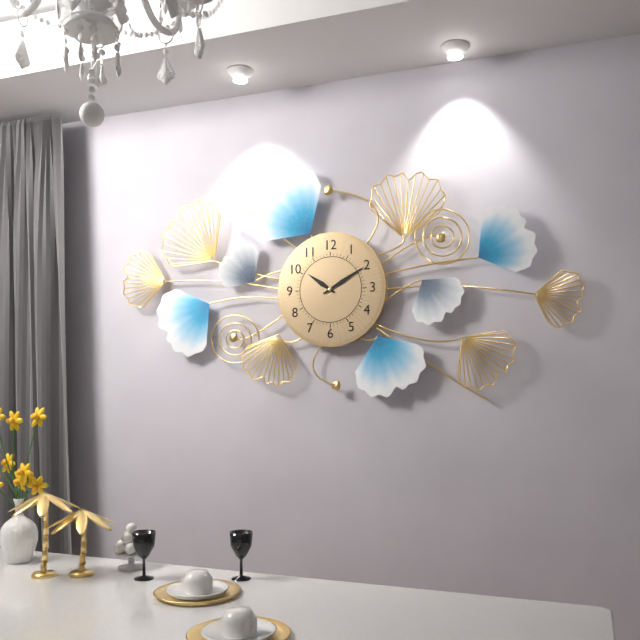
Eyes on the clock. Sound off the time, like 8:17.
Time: 10:10
